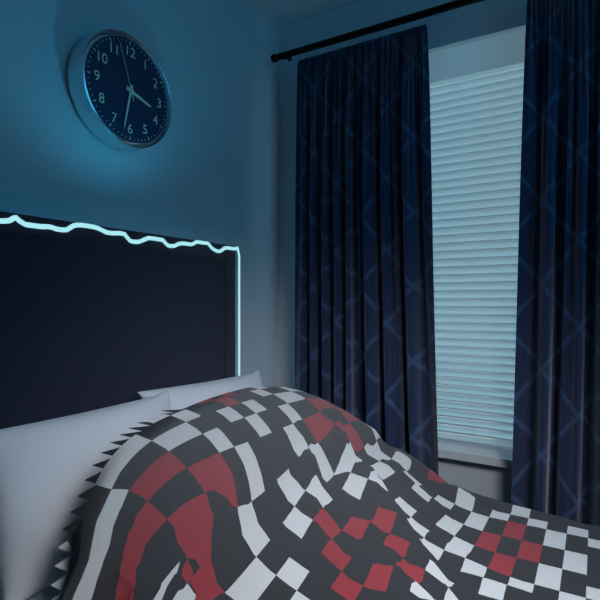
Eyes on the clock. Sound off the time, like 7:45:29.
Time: 3:32:57
